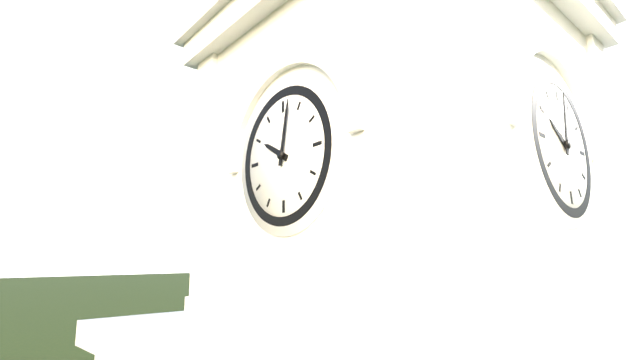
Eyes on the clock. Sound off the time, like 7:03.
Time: 10:02
